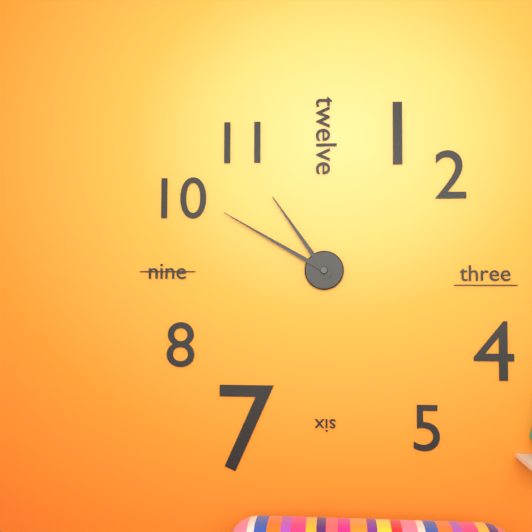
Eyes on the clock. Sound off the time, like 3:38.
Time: 10:50
